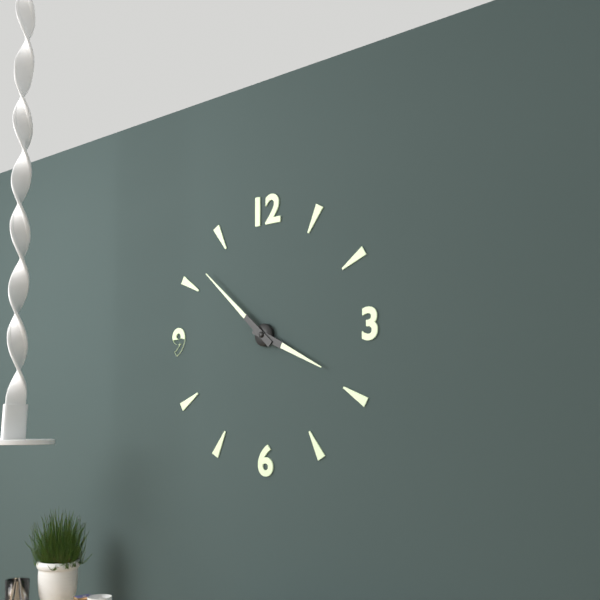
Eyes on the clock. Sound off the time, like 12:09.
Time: 3:52
